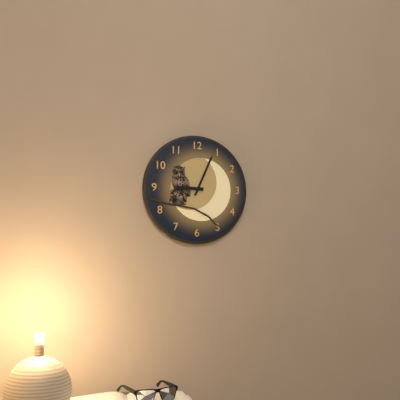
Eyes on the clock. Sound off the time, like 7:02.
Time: 9:04
